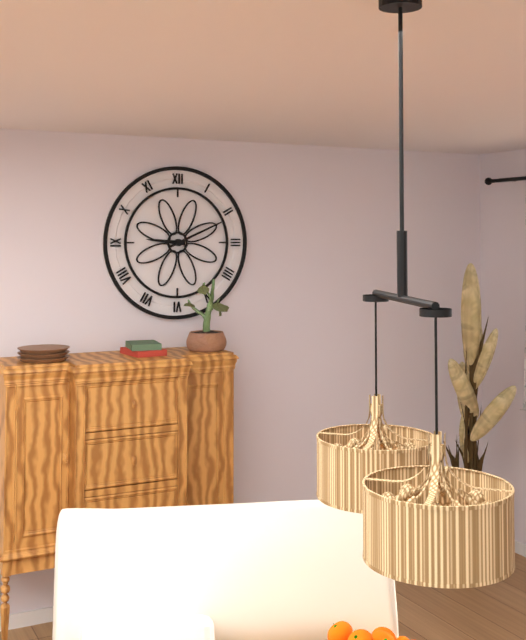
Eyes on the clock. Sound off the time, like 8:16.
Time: 9:11
